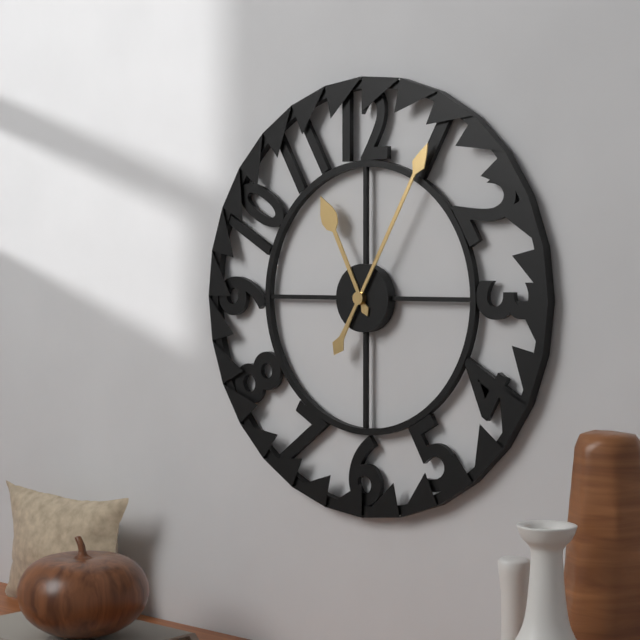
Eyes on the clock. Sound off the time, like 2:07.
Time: 11:05
